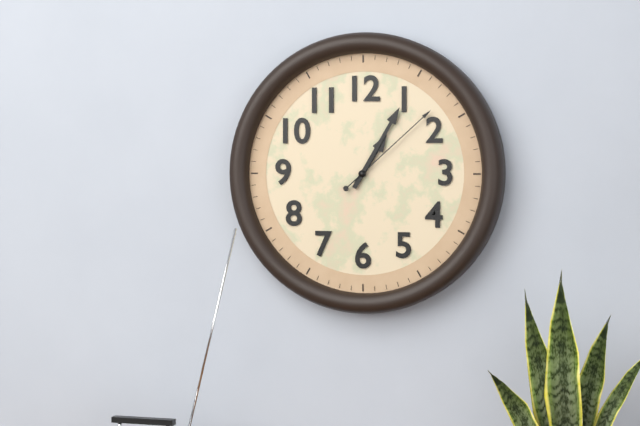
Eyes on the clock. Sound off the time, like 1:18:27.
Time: 1:05:08
